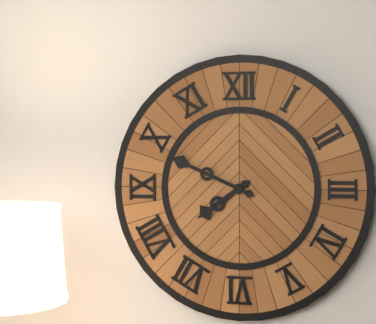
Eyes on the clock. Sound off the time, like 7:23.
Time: 7:49
